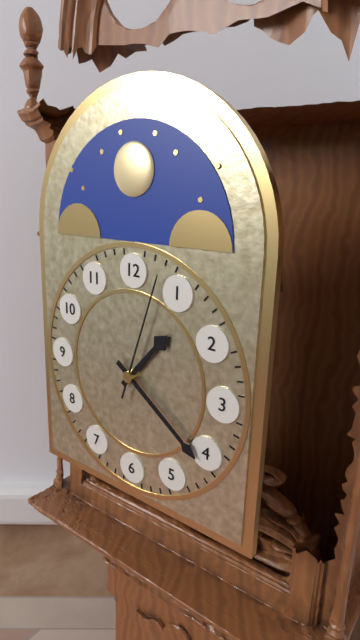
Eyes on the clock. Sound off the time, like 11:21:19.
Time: 1:21:03
